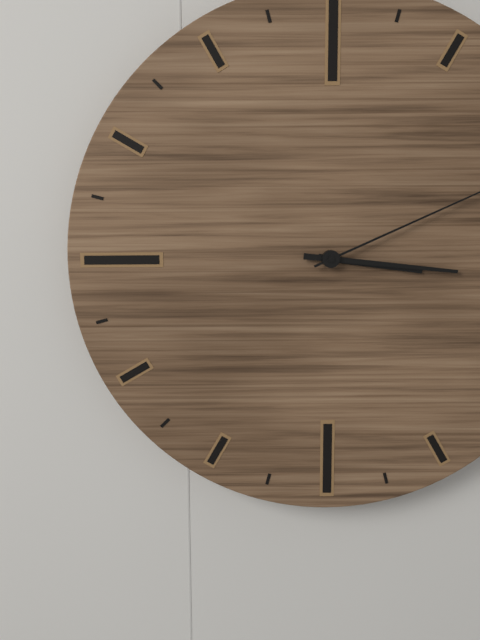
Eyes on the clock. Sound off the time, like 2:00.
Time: 3:16
